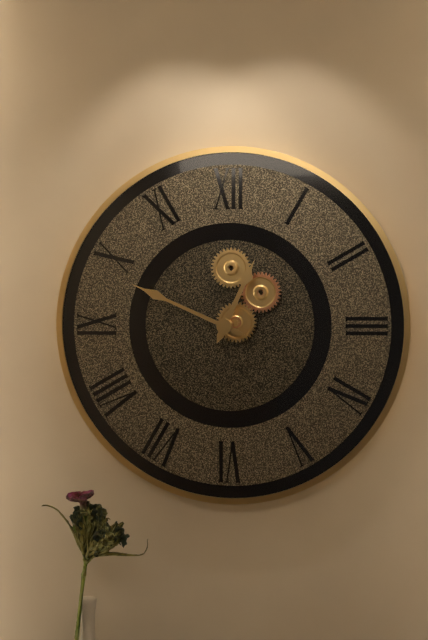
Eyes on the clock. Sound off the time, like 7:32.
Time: 12:49
